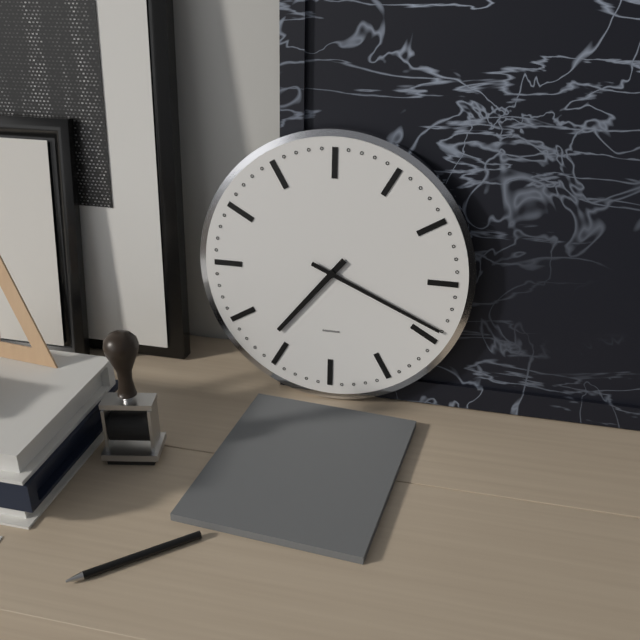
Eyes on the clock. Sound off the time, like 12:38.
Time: 7:19
